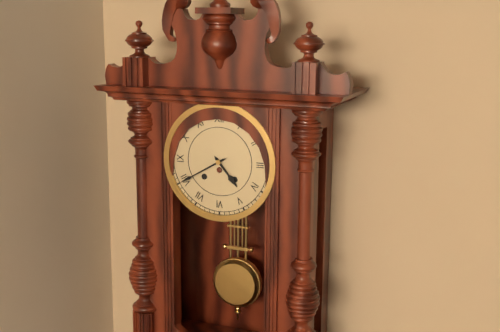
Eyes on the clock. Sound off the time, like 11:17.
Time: 4:40
